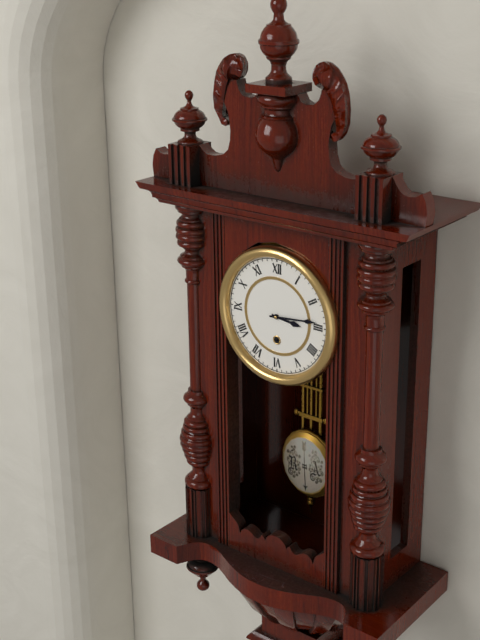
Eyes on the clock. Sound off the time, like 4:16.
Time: 3:14
